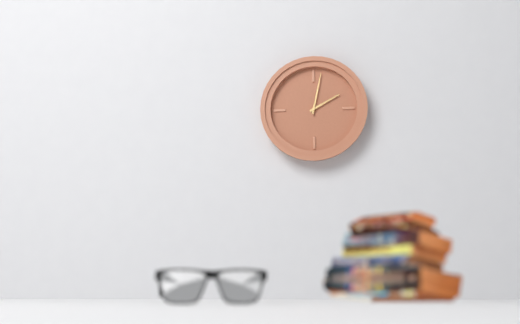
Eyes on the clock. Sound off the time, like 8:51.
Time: 2:02
